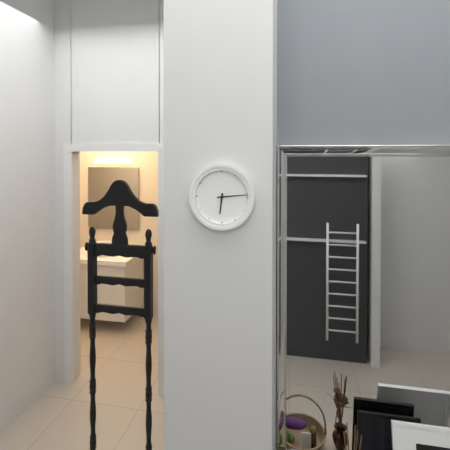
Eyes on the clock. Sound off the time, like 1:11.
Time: 6:14
